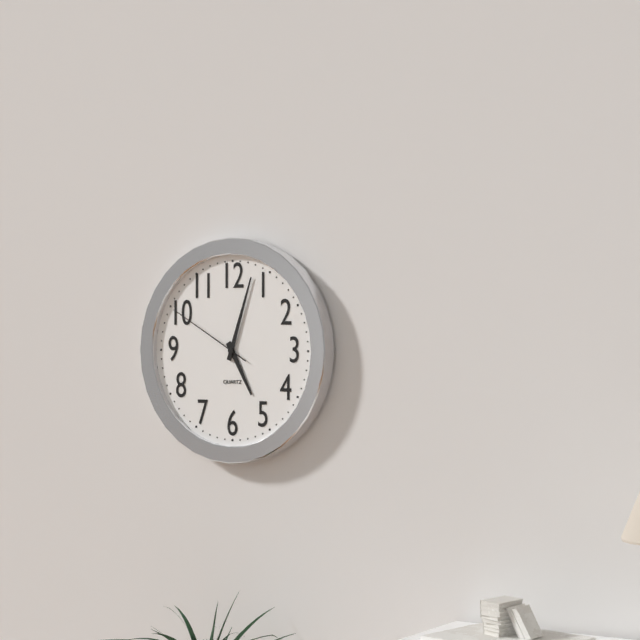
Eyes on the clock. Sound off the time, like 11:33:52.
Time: 5:03:50
